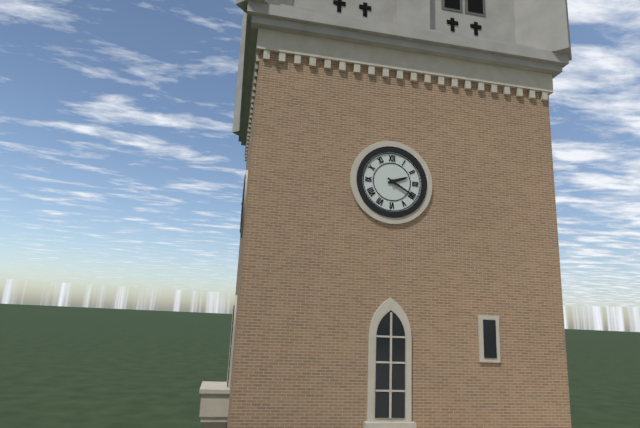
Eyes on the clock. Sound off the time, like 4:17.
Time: 2:20
